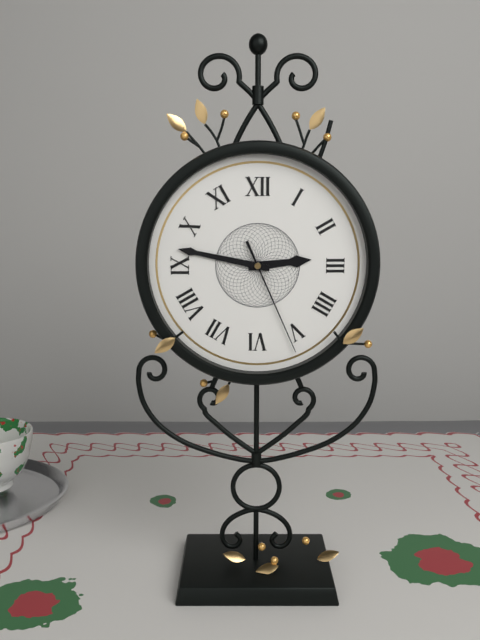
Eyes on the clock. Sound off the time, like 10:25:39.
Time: 2:47:26
